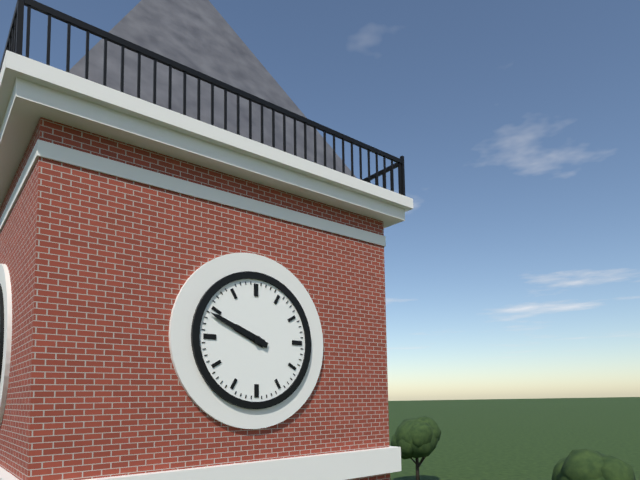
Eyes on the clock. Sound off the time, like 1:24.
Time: 9:49
